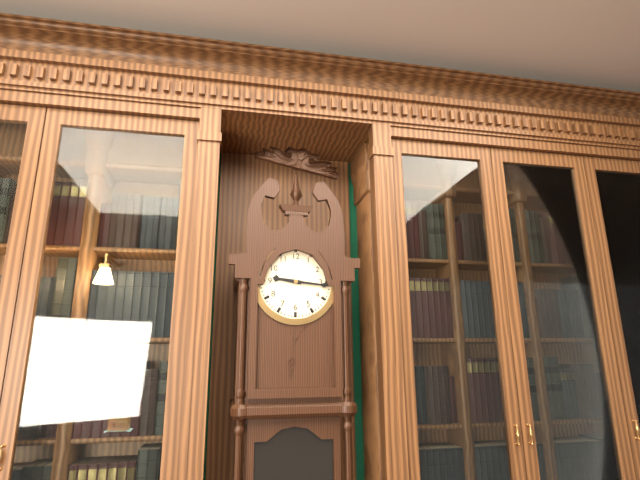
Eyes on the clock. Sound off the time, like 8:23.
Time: 9:16
